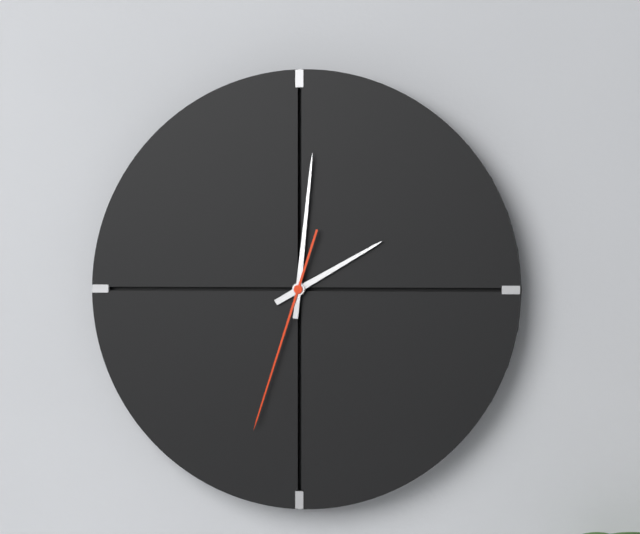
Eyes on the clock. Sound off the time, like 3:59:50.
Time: 2:01:33
